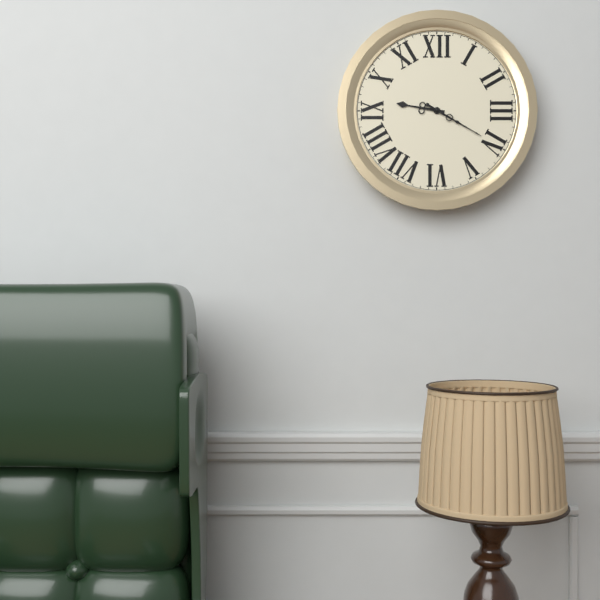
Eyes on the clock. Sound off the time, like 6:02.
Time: 9:20
